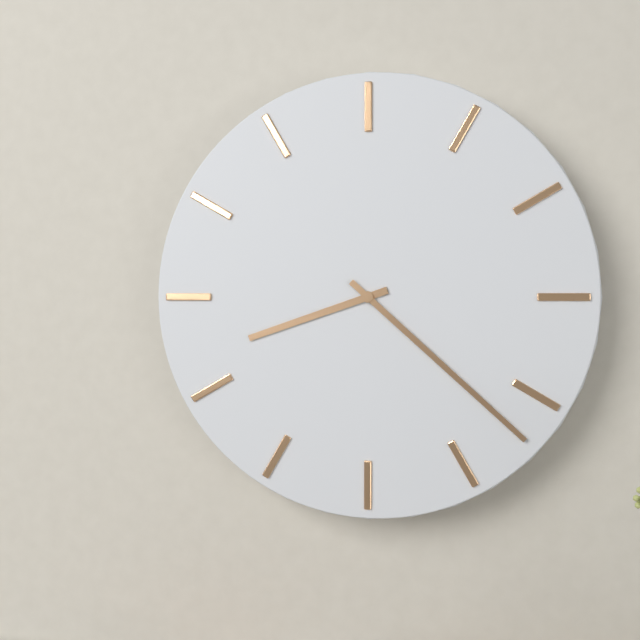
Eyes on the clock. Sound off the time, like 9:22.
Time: 8:22
